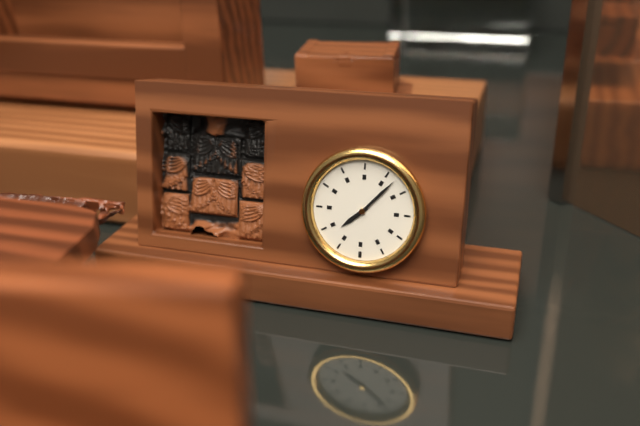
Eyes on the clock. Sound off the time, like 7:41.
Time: 1:37
